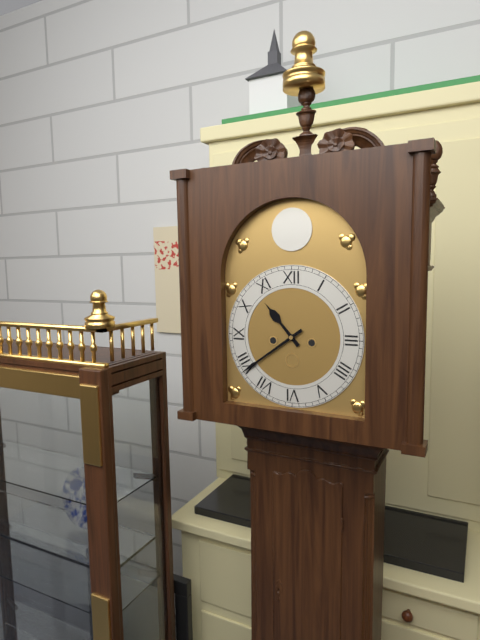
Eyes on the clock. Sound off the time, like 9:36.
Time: 10:39
